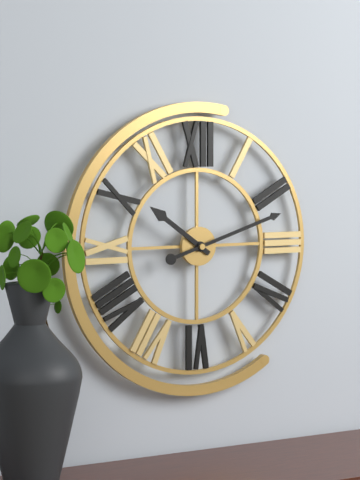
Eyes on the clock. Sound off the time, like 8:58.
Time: 10:12
